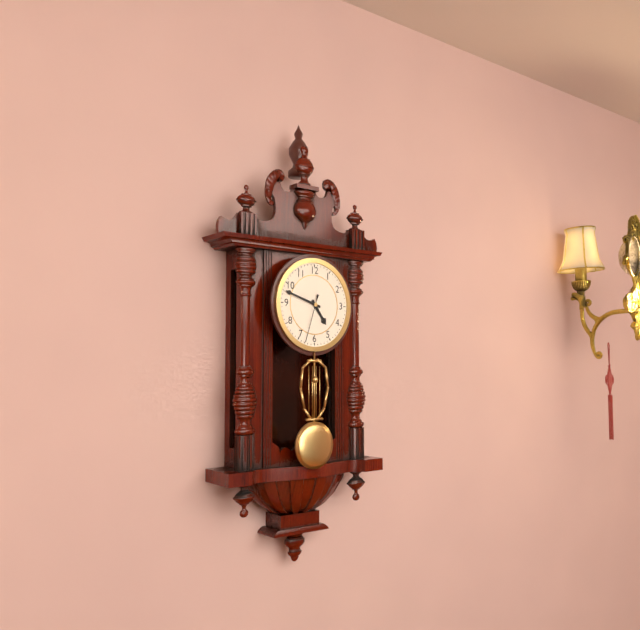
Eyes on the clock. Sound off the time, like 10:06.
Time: 4:48
